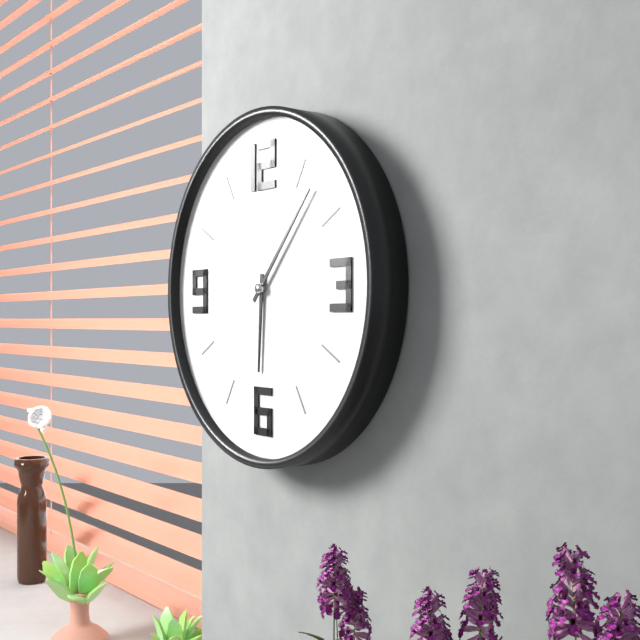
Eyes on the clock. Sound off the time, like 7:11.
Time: 6:07
